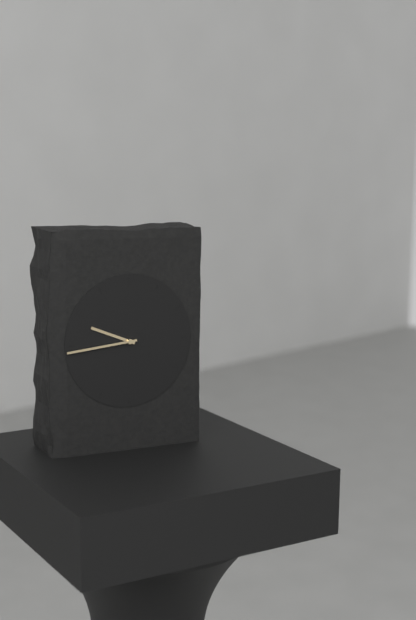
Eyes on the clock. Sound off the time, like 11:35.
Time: 9:44
